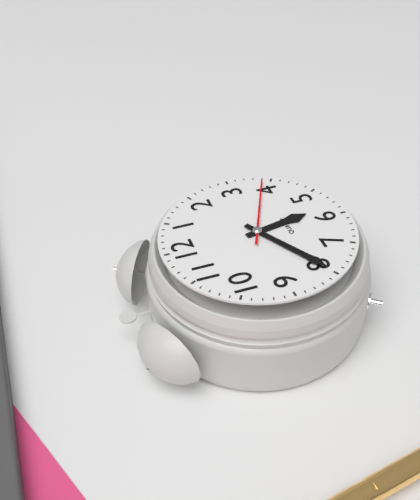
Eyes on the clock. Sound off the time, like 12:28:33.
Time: 5:40:19
